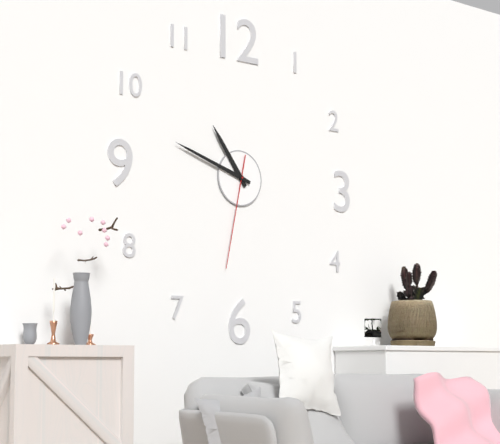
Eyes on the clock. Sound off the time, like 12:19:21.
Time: 10:48:32
